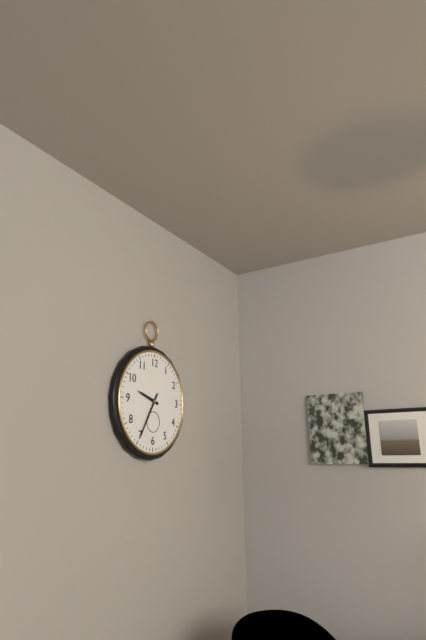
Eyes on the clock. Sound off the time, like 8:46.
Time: 9:35
